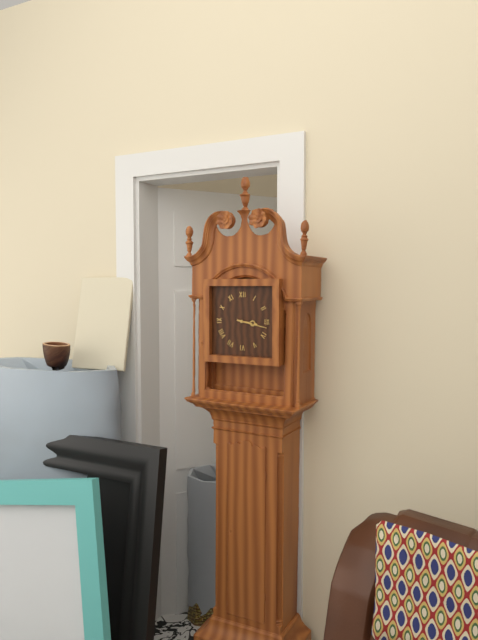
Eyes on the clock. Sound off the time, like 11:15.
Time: 3:17
